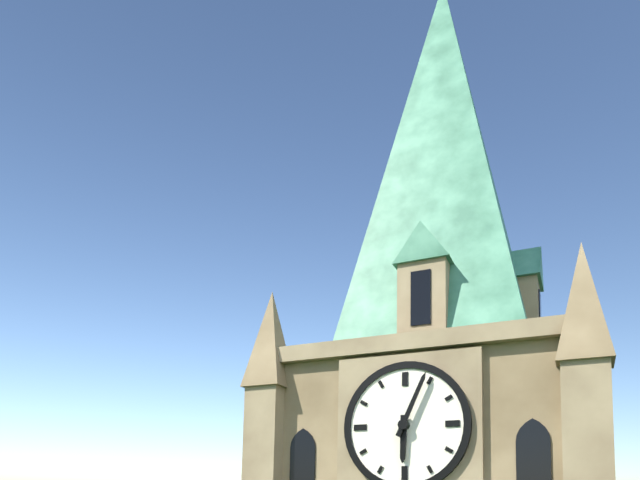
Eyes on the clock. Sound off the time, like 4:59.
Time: 6:04
